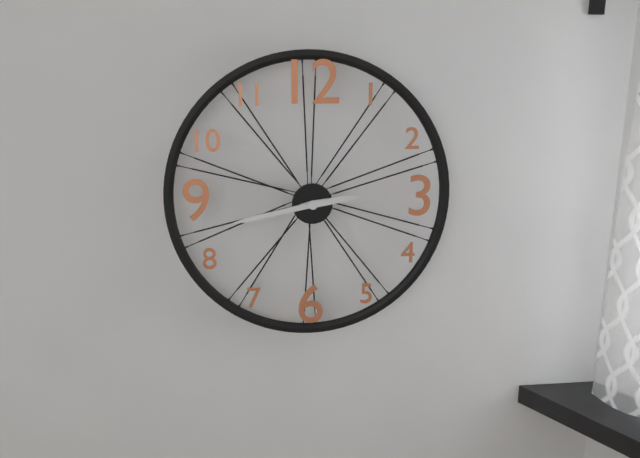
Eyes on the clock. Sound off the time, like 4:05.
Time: 2:43
